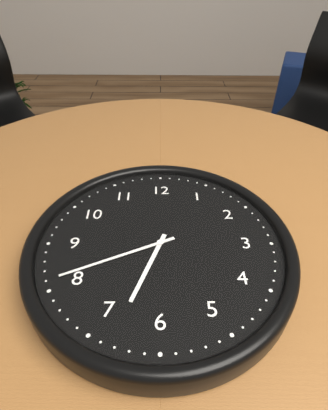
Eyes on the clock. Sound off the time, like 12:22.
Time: 6:41
